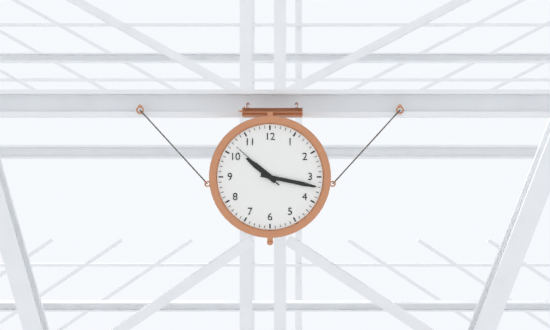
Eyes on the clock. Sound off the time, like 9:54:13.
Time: 10:17:52
